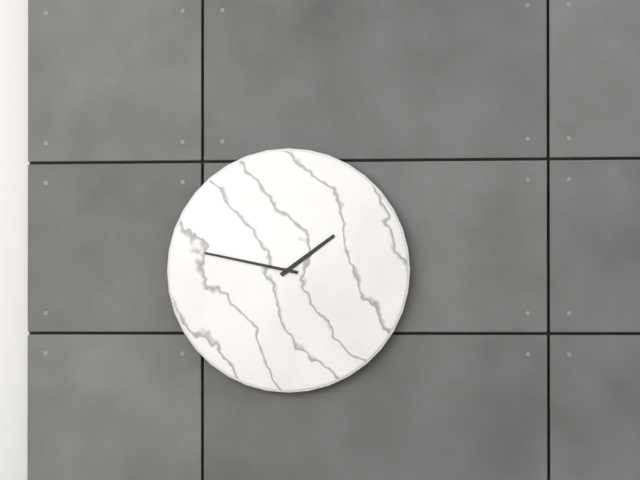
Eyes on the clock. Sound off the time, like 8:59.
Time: 1:47
